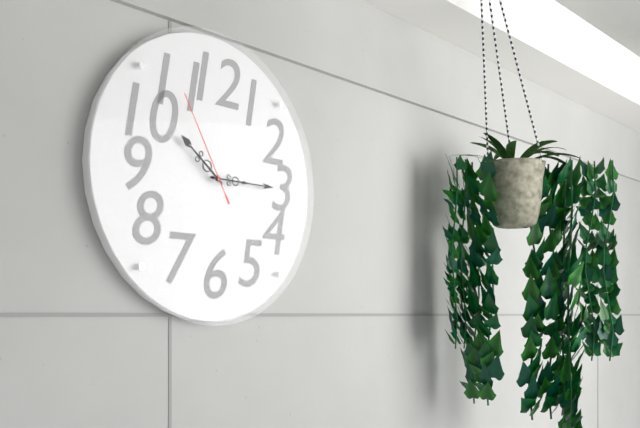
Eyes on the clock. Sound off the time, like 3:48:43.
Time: 10:15:55
